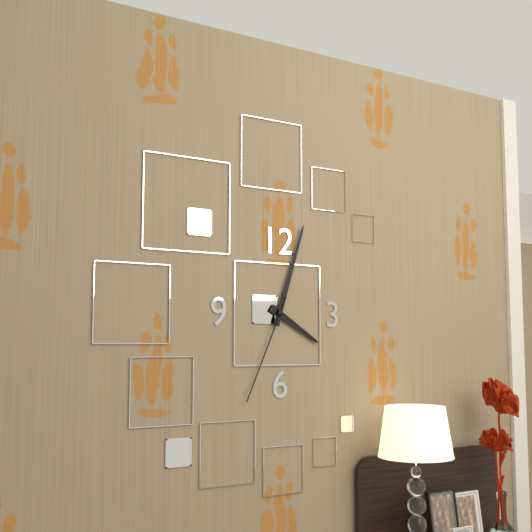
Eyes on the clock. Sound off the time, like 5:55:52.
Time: 4:03:34
